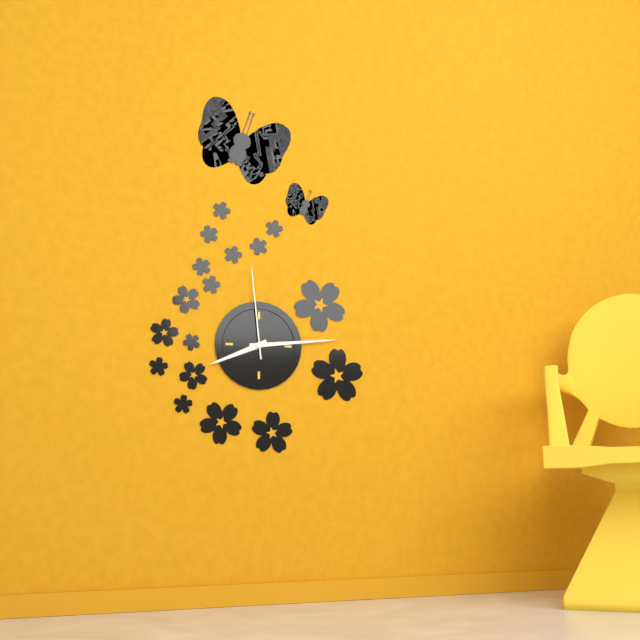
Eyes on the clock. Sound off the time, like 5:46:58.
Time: 8:14:59
